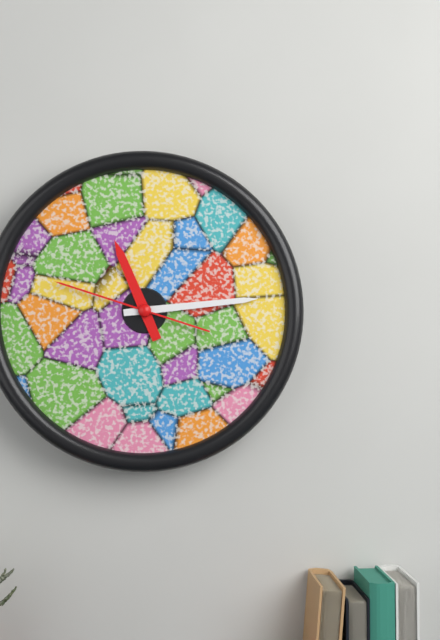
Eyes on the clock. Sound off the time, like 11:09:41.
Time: 11:14:48
